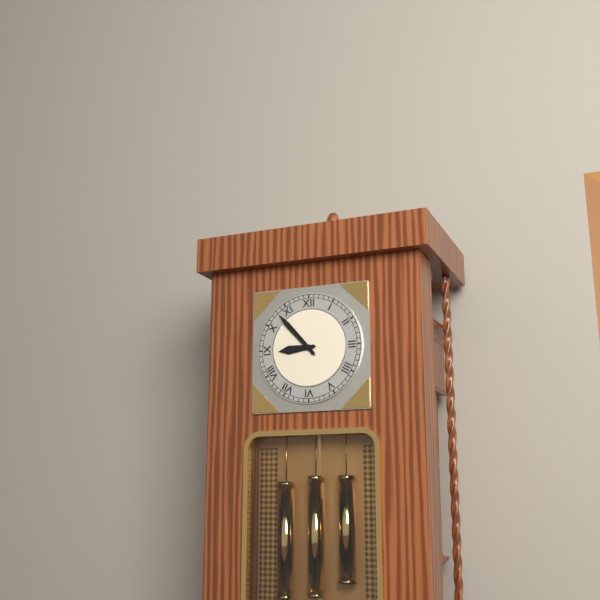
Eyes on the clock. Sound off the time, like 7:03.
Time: 8:53
